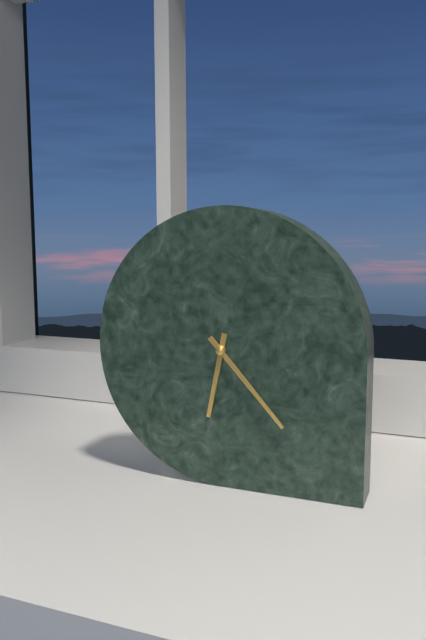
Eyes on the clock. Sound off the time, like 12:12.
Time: 6:23
